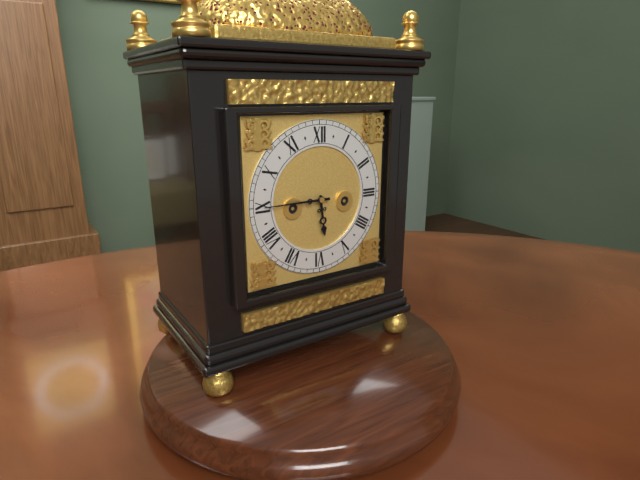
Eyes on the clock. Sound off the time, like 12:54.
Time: 5:45
